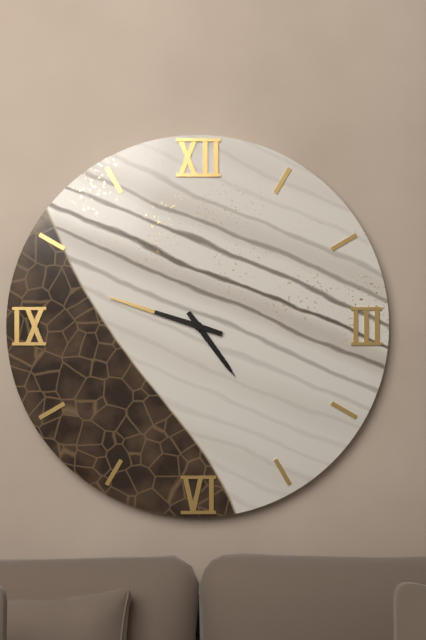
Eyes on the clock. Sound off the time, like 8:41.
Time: 4:48
